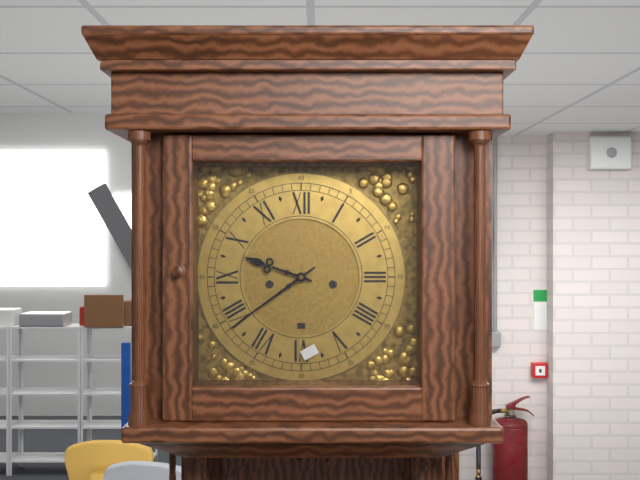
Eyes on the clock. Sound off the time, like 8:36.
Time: 9:39
